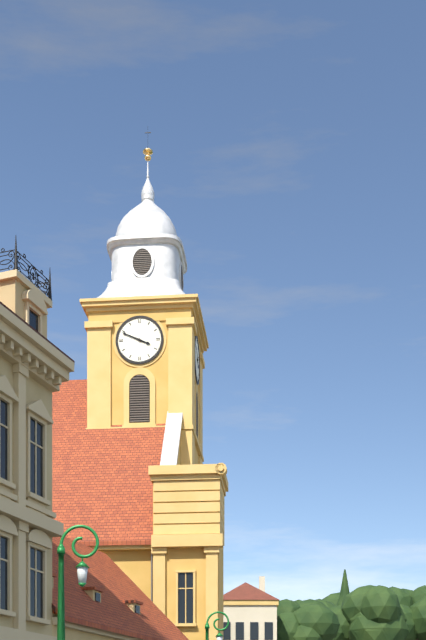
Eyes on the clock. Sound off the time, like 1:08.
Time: 3:49
